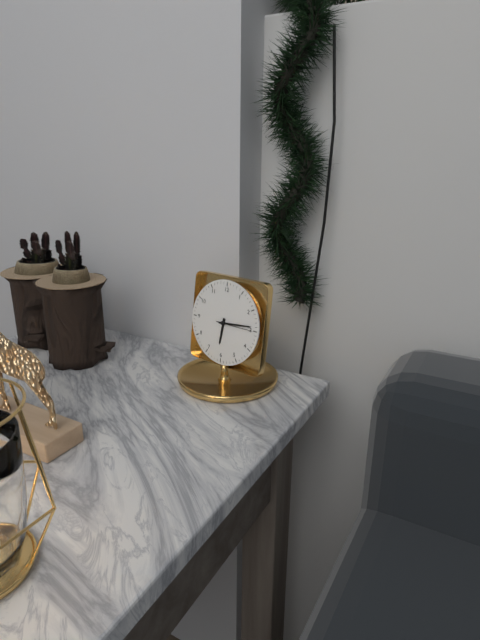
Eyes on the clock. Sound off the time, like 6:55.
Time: 6:14
